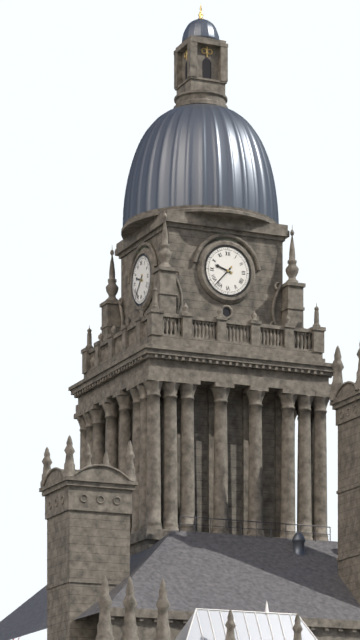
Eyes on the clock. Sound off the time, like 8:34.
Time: 9:37
